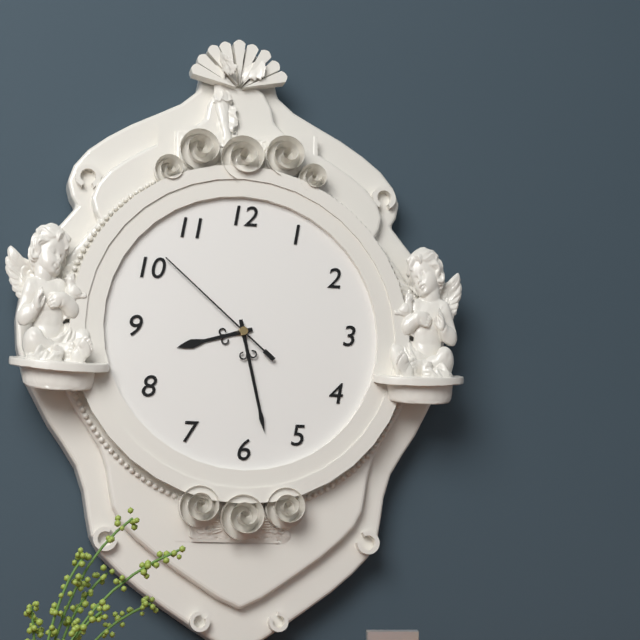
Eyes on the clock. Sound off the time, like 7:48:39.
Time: 8:28:52
